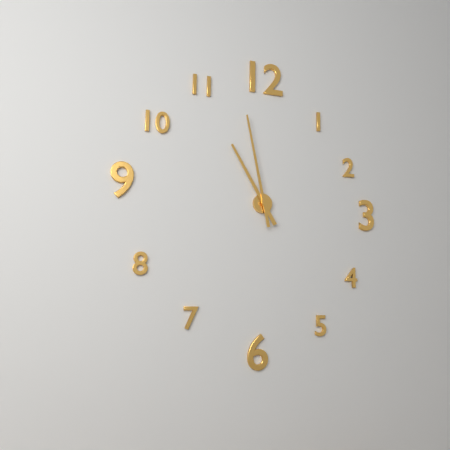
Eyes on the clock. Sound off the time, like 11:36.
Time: 10:58
